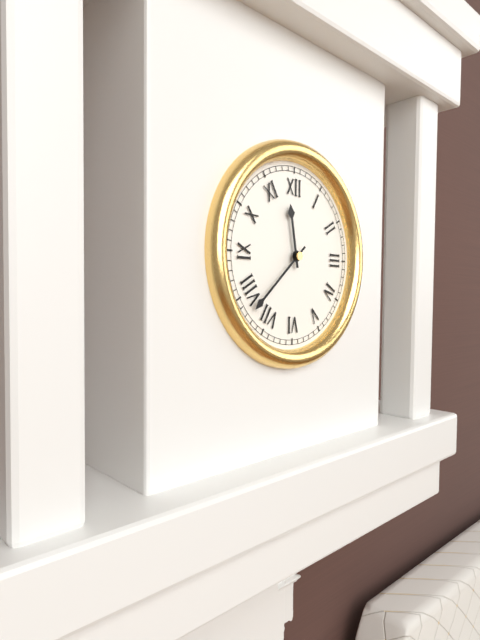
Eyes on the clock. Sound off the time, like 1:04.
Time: 11:38
